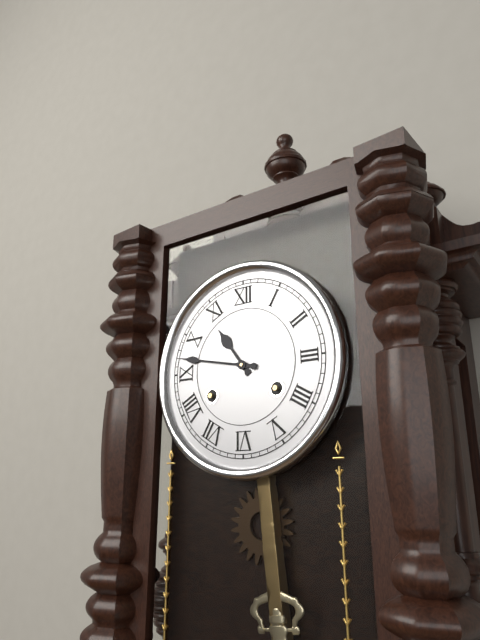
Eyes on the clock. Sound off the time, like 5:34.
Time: 10:47
